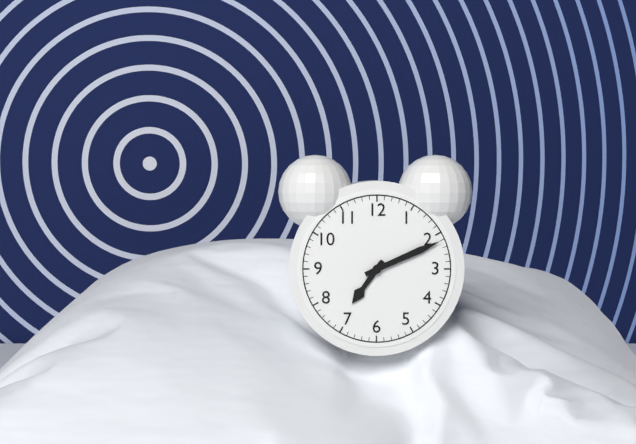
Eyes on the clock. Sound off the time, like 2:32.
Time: 7:11
